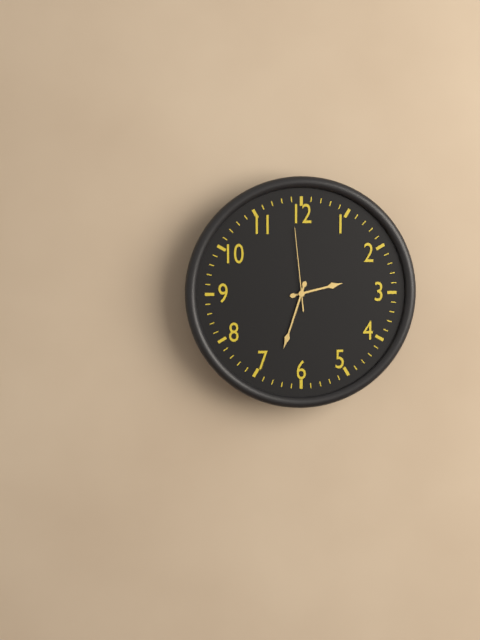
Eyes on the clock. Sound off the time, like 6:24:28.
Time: 2:33:59
